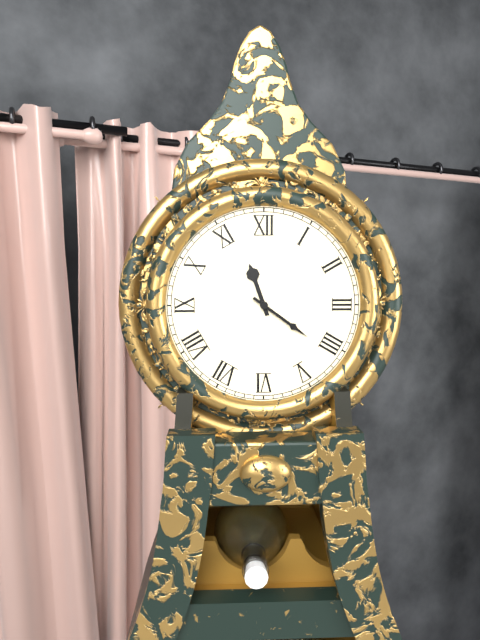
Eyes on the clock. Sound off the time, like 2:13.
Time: 11:21
